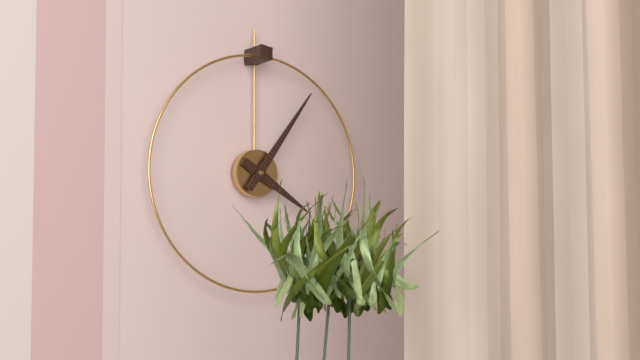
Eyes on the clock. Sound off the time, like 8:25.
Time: 4:06
